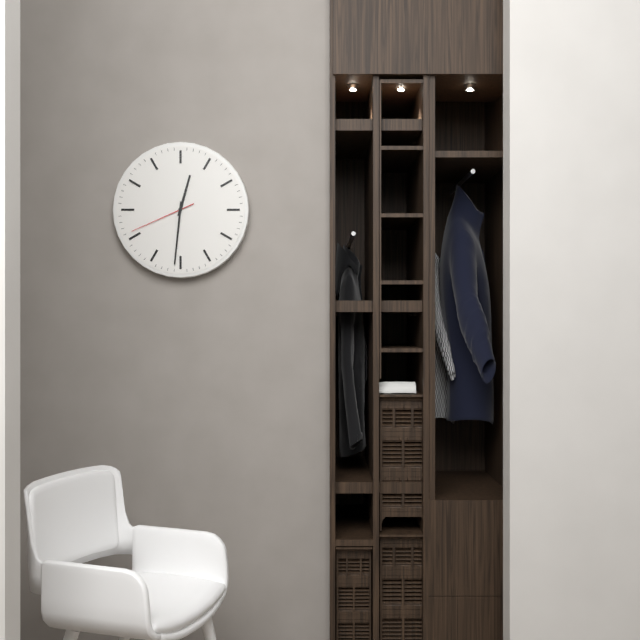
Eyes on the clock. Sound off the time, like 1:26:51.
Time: 12:31:41
